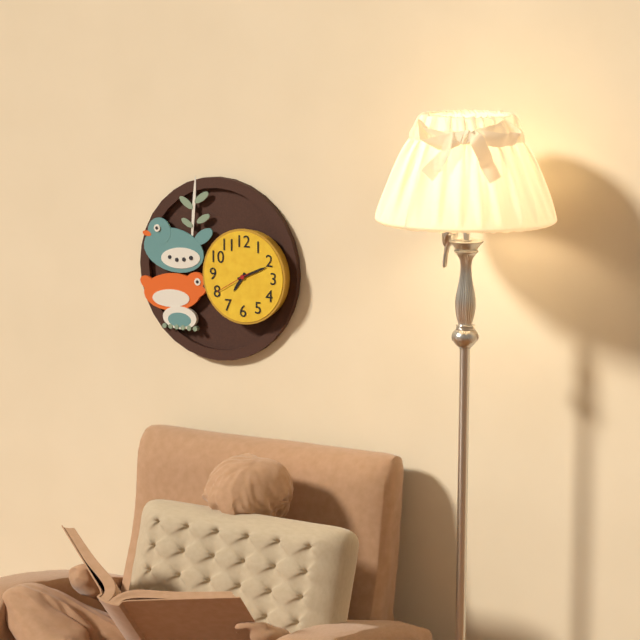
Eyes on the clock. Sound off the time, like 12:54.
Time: 7:11
